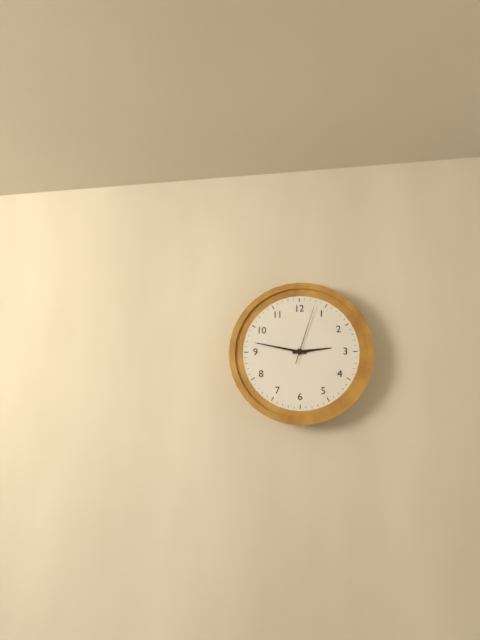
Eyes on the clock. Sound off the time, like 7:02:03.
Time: 2:47:03
